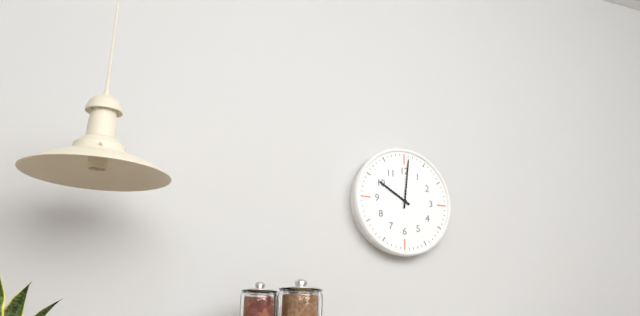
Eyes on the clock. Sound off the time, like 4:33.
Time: 10:01
